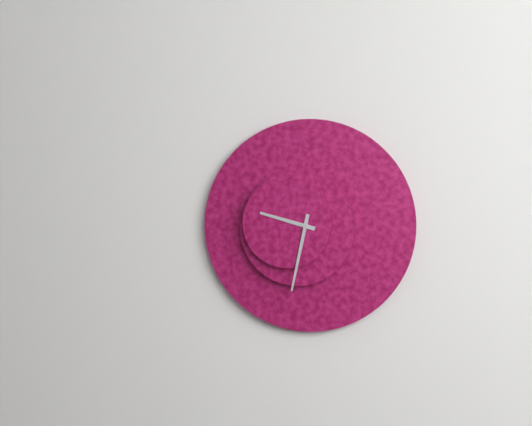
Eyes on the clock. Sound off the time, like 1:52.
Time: 9:32
